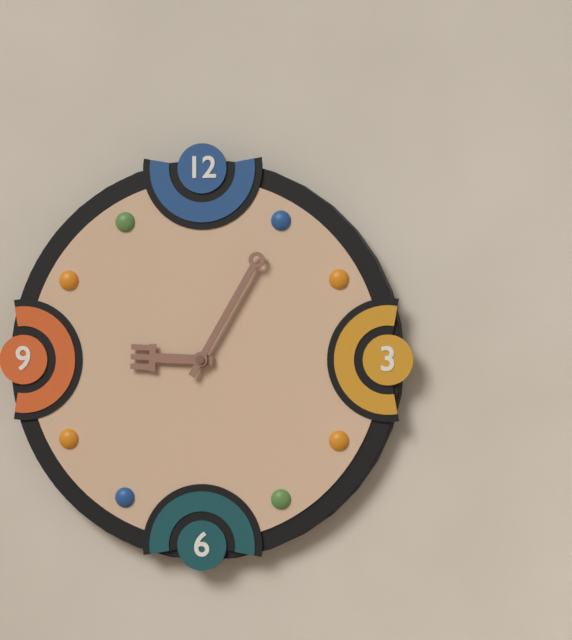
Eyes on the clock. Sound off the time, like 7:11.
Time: 9:05
